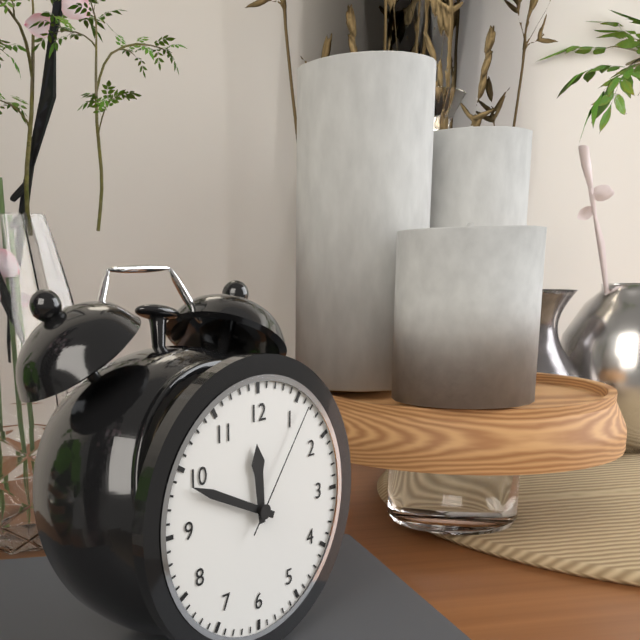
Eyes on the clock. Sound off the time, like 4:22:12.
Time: 11:49:06
